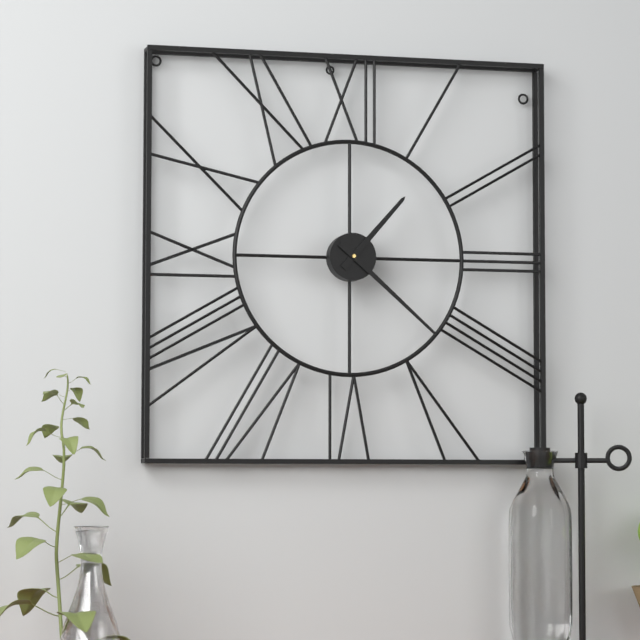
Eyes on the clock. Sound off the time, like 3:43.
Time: 1:22
